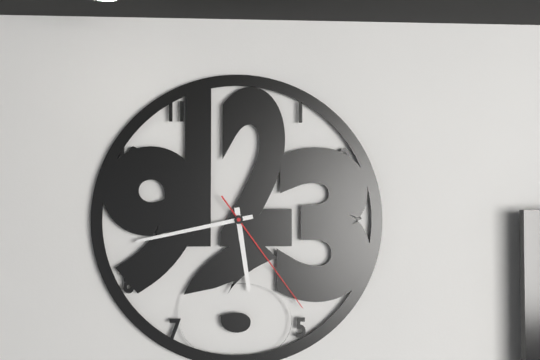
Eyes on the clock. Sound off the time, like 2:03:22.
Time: 5:43:24
